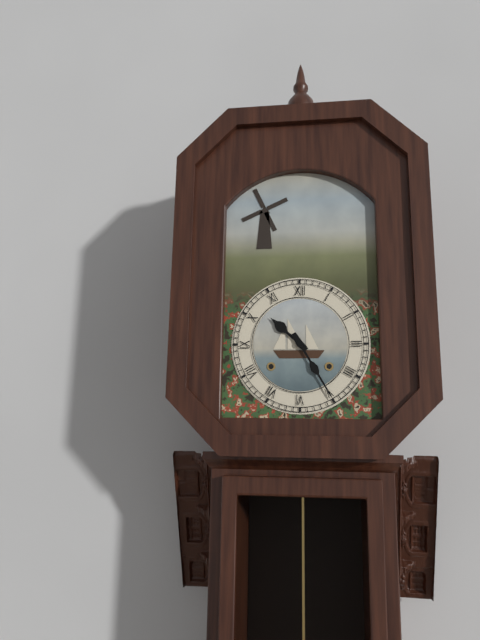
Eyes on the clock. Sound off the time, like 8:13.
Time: 10:25
